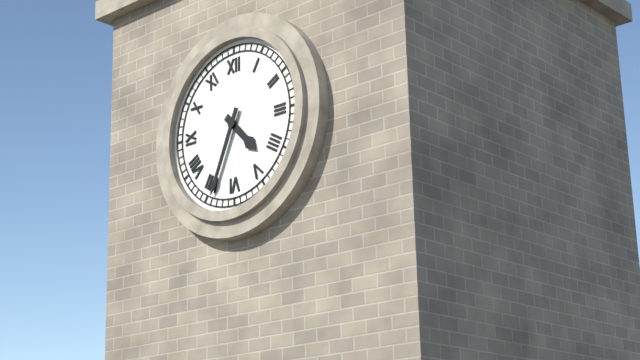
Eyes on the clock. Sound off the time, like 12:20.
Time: 4:34
